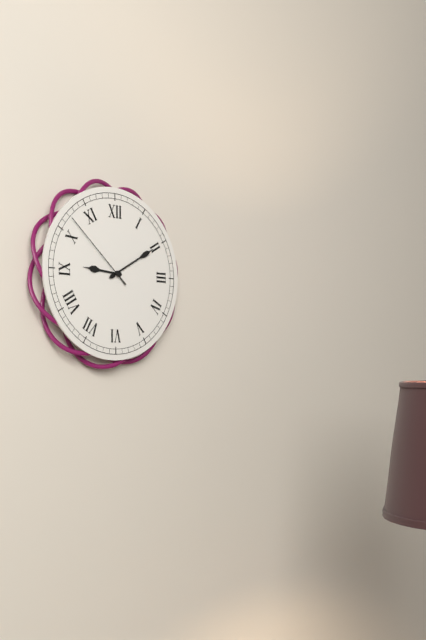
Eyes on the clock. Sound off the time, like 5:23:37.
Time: 9:10:52
